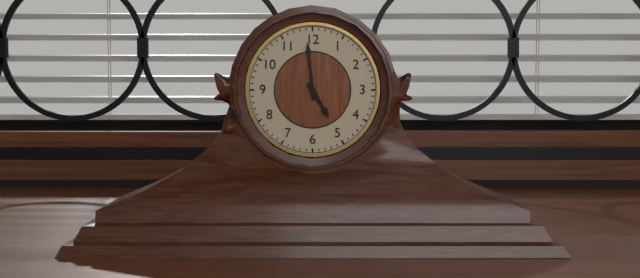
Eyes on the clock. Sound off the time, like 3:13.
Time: 4:59
